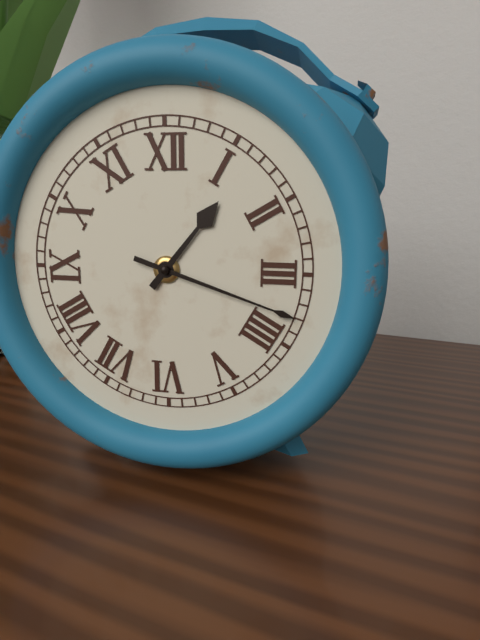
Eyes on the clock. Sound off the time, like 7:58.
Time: 1:18
